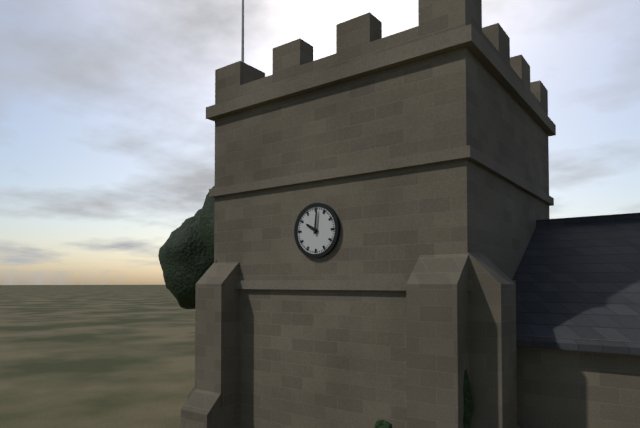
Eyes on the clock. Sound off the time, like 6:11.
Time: 10:01
